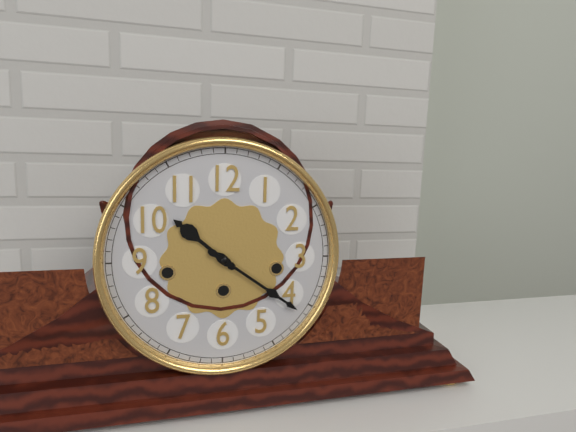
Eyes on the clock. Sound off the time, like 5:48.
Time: 10:21
